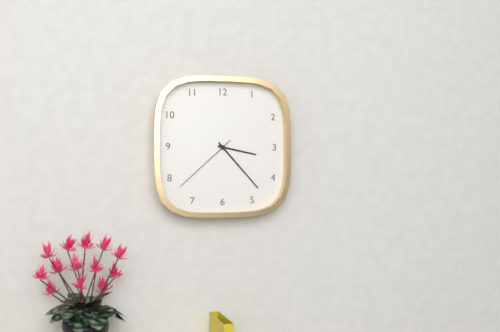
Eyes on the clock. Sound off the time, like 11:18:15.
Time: 3:23:38
